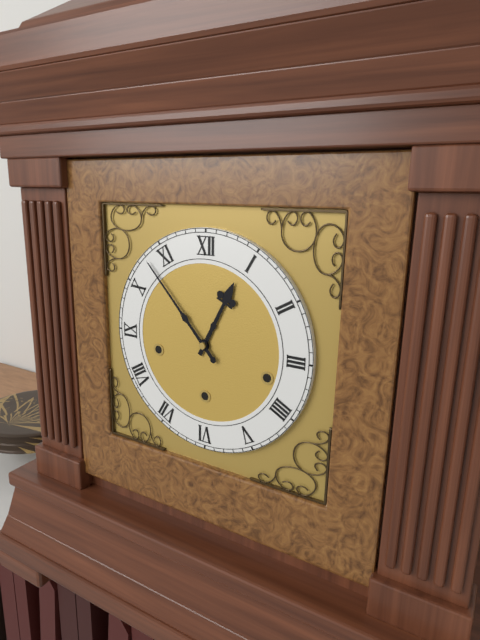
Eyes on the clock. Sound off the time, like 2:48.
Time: 12:53
